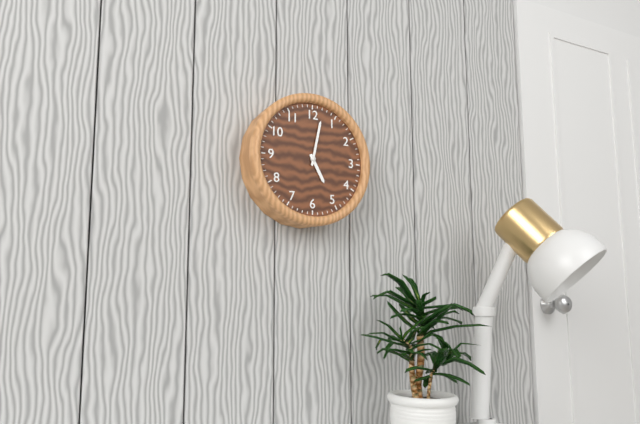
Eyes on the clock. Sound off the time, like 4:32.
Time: 5:02
